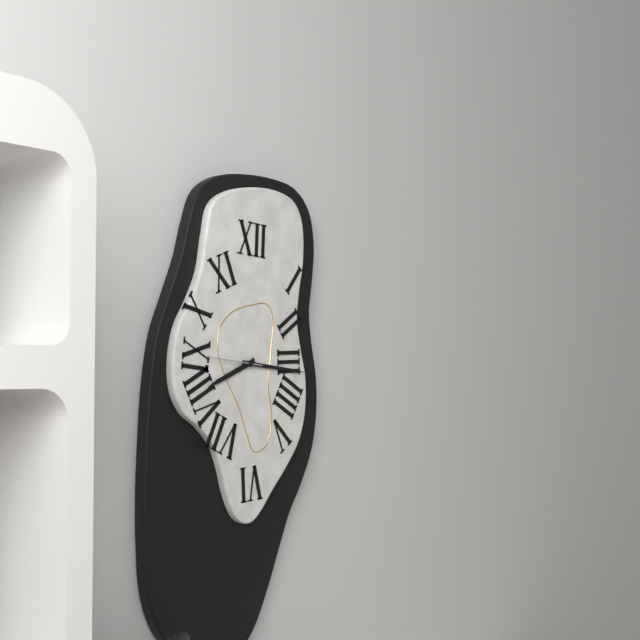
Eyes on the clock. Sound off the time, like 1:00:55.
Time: 8:16:46
